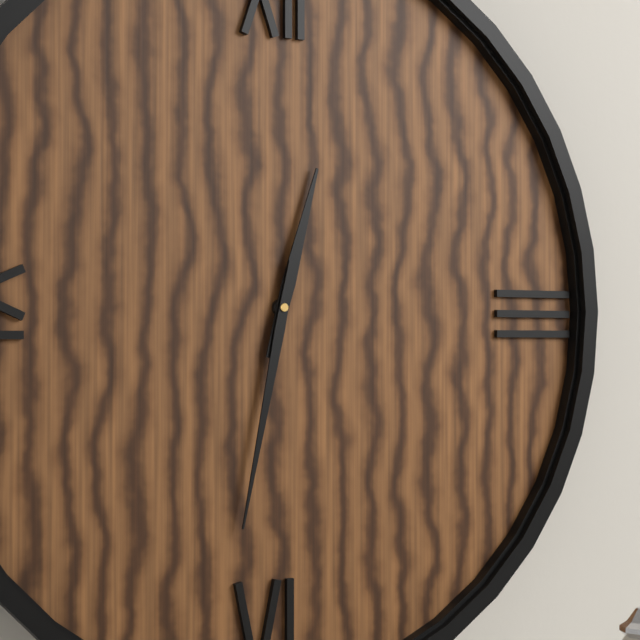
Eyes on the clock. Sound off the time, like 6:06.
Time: 12:32
